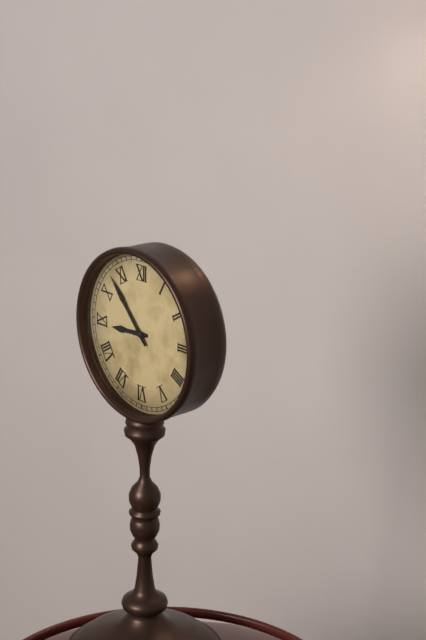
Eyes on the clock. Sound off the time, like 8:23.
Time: 8:53
